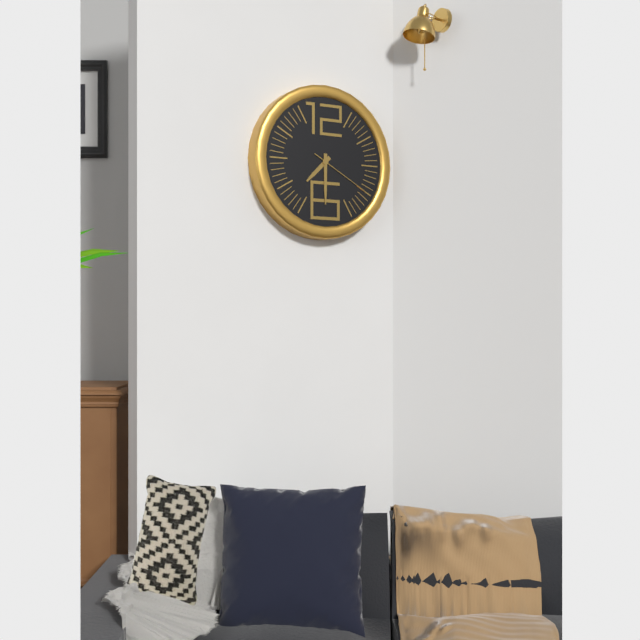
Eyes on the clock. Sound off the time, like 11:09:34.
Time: 7:30:20
